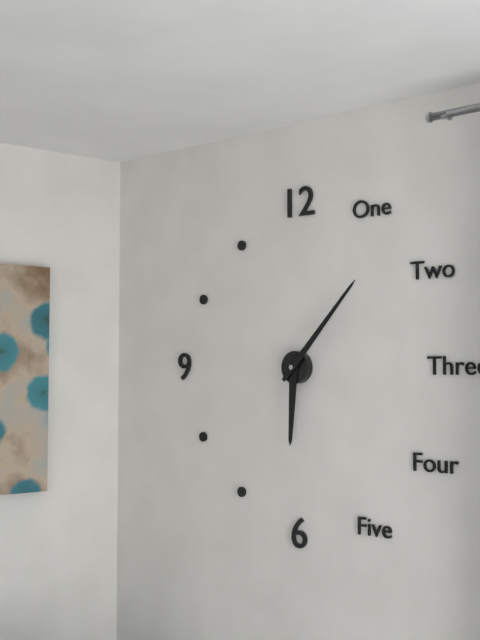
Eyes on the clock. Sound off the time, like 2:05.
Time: 6:07
